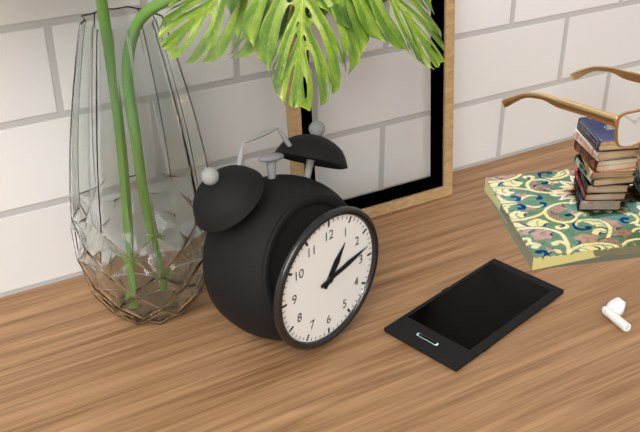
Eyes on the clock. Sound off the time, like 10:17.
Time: 1:13
